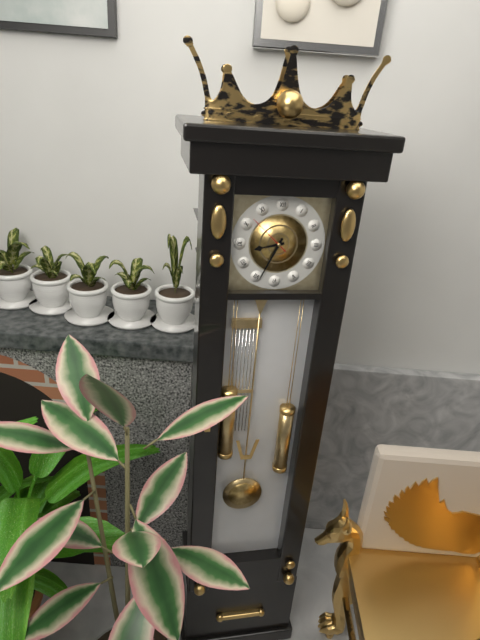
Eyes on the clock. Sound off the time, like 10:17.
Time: 8:34
